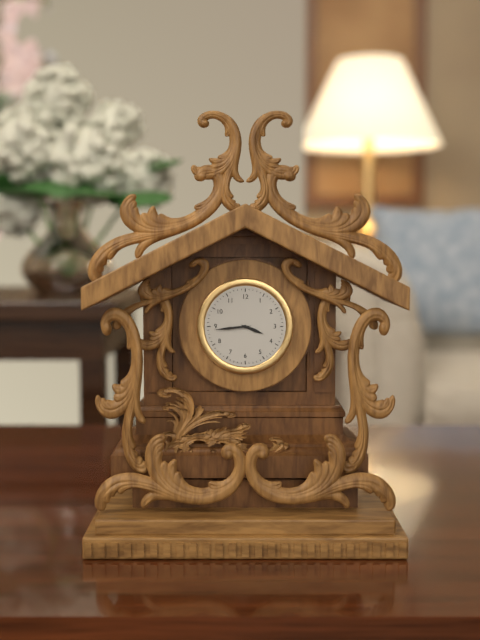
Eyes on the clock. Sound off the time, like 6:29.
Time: 3:44
